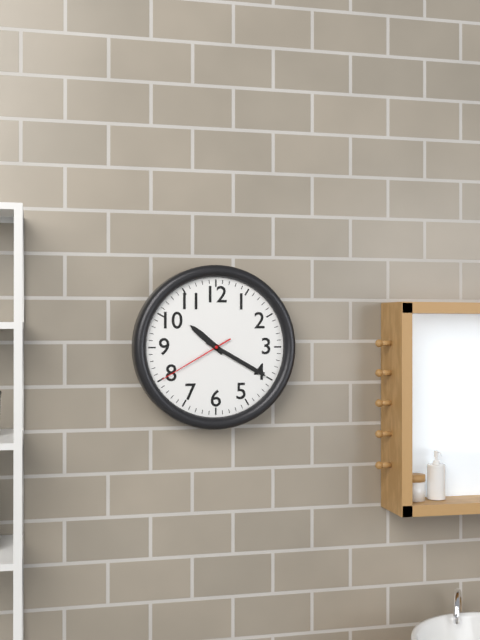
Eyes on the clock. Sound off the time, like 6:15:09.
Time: 10:20:40
